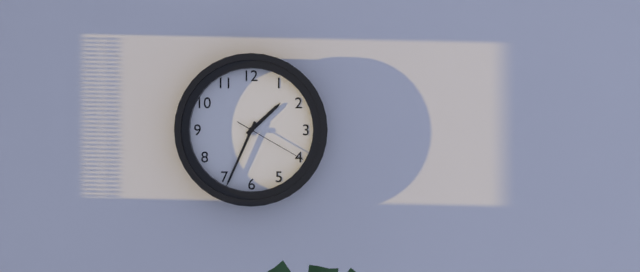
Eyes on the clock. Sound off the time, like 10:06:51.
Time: 1:34:20
